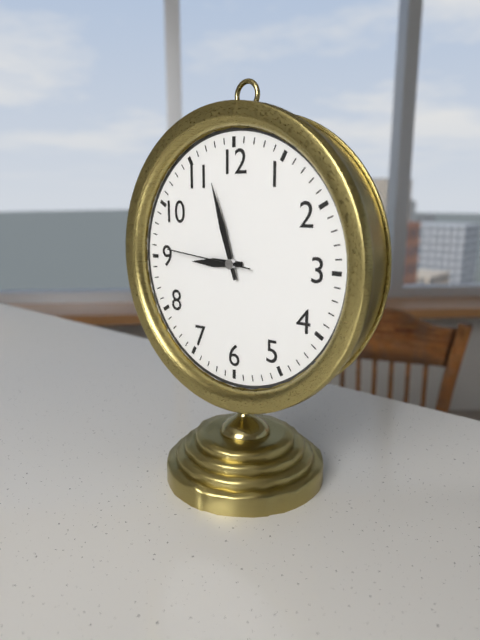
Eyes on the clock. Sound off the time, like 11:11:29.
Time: 8:57:46
